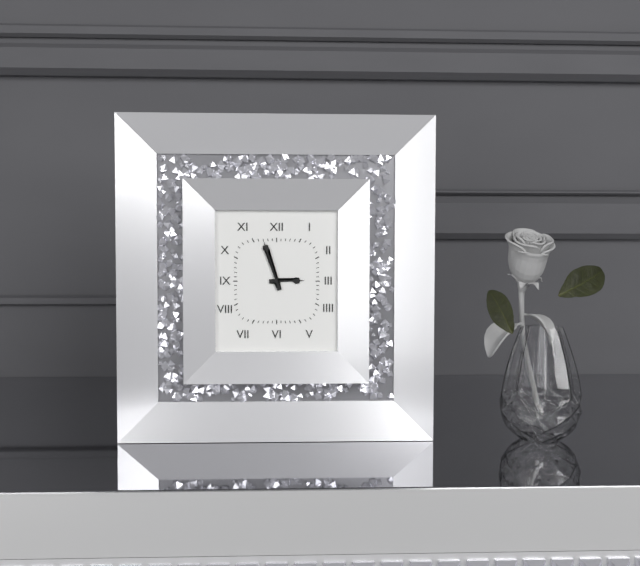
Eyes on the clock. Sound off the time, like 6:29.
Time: 2:57
